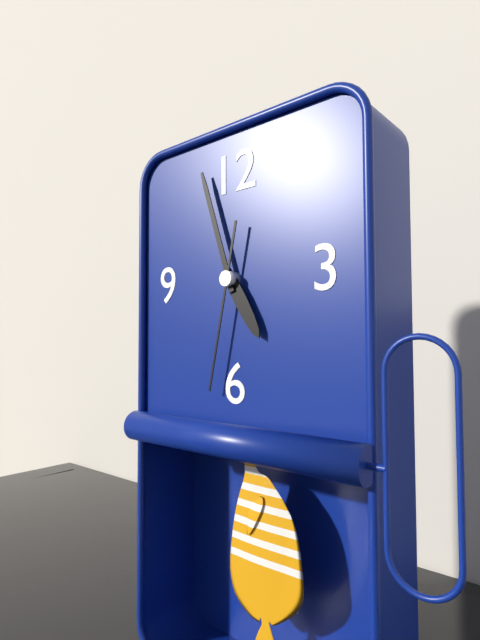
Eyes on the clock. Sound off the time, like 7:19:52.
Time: 4:57:32
